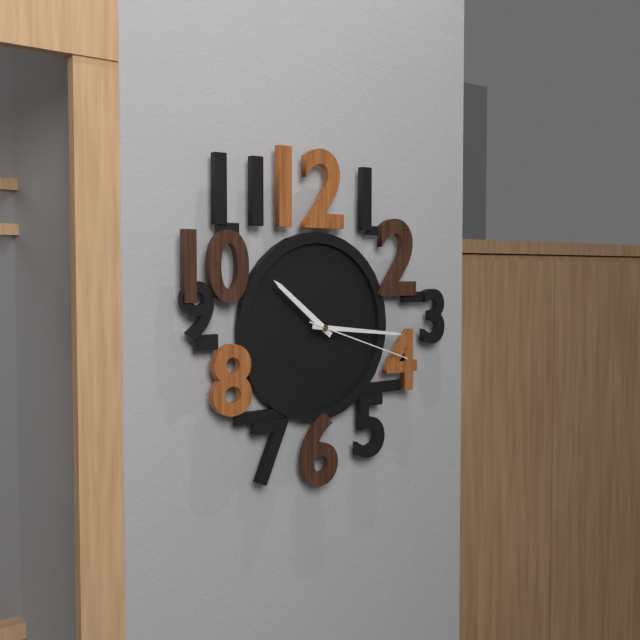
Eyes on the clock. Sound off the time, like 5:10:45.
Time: 10:16:18
